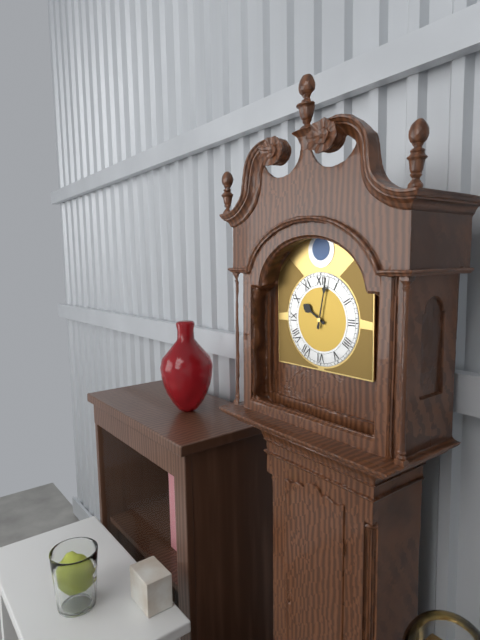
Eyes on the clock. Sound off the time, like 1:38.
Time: 10:02
